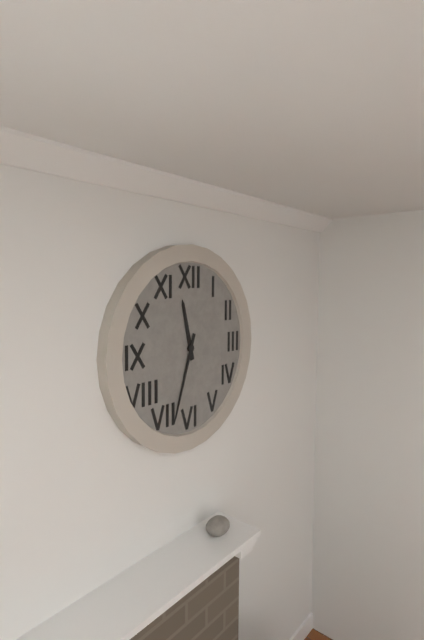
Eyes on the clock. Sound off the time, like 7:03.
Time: 11:33
